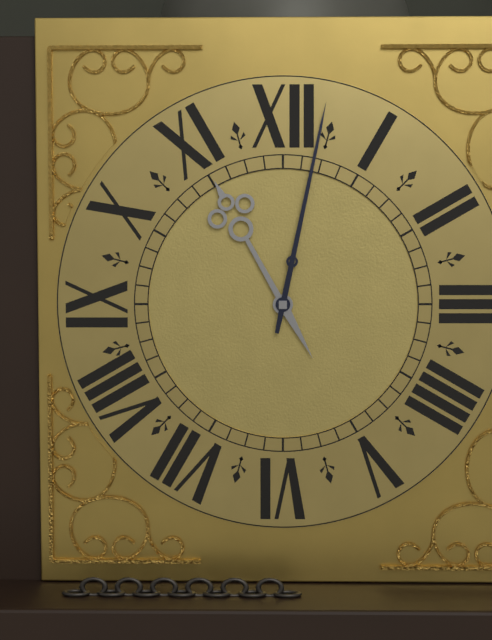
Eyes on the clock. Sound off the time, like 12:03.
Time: 11:02
